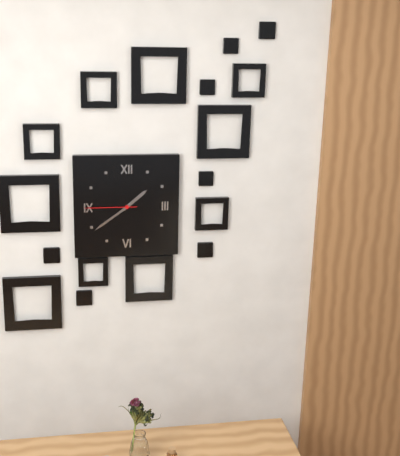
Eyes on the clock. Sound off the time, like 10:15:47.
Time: 1:39:45
